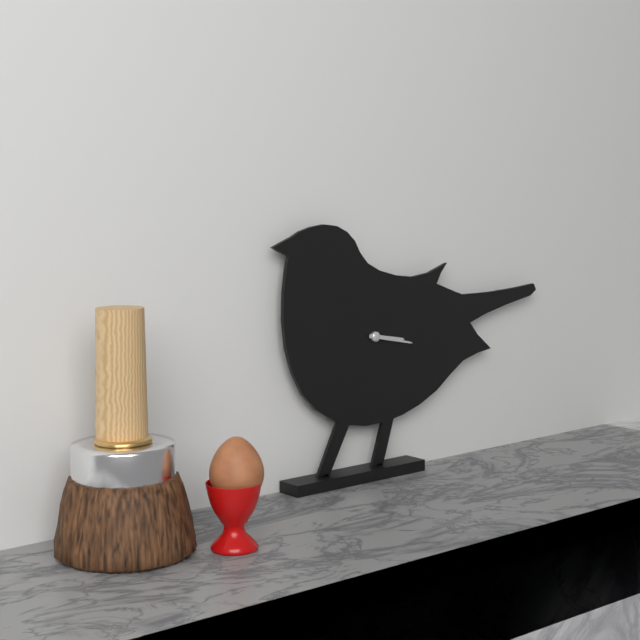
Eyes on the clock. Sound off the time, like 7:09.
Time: 3:17
